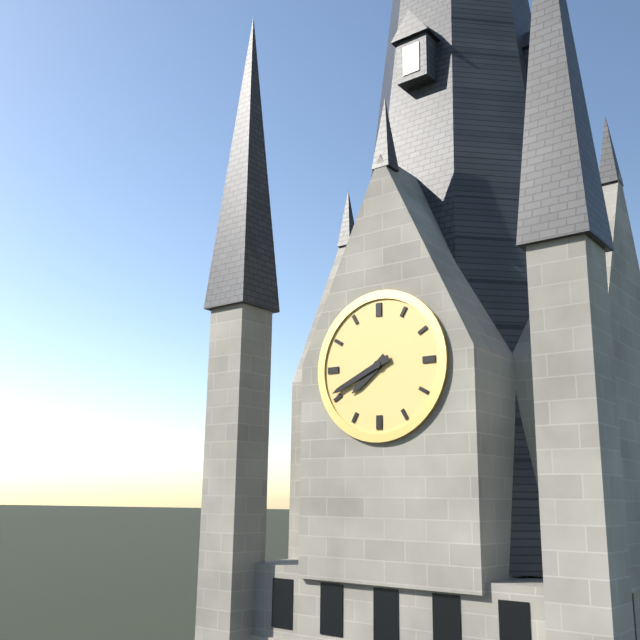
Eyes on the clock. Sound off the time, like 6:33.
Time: 7:41
